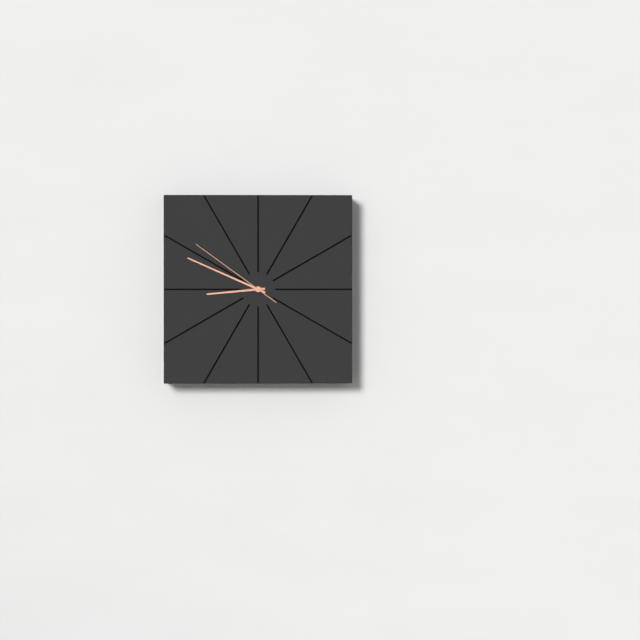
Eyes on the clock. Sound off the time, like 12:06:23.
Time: 8:49:51
